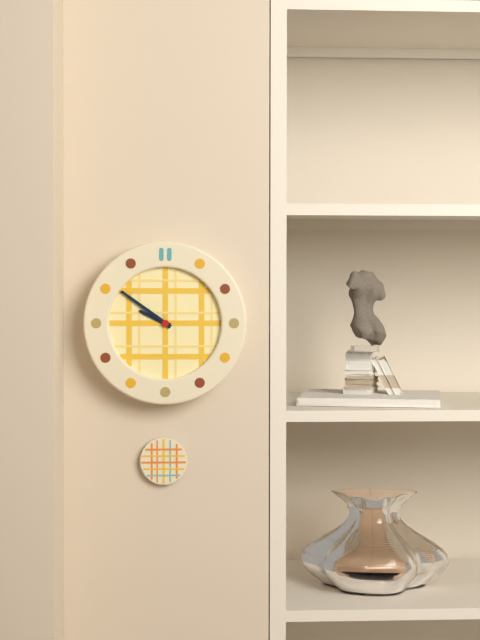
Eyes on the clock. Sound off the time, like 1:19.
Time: 9:51
